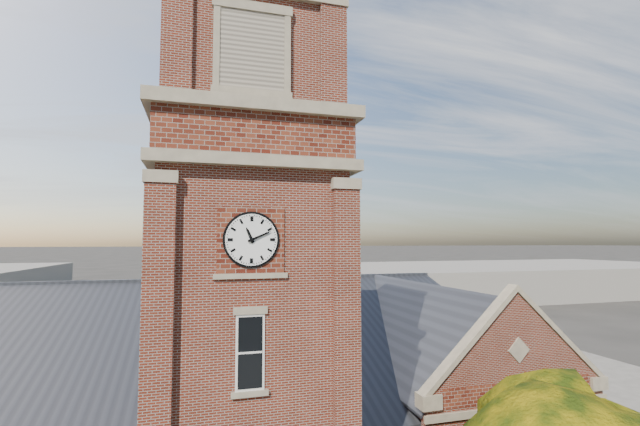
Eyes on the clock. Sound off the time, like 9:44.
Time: 11:11
